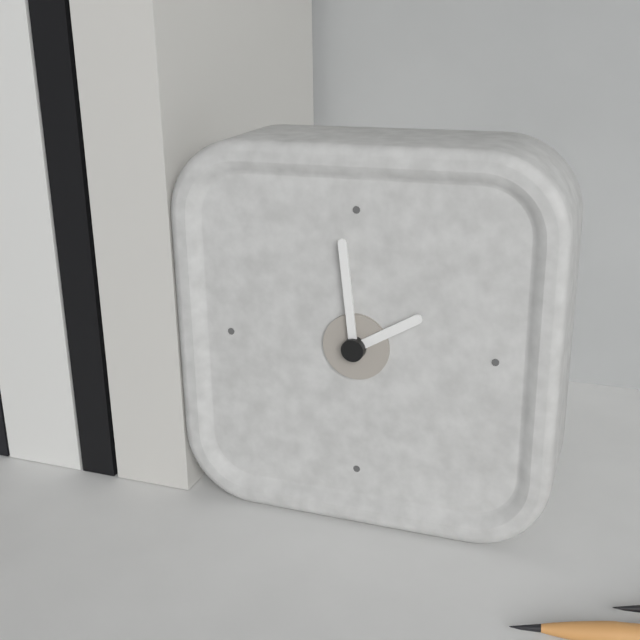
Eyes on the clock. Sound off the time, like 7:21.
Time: 1:59
